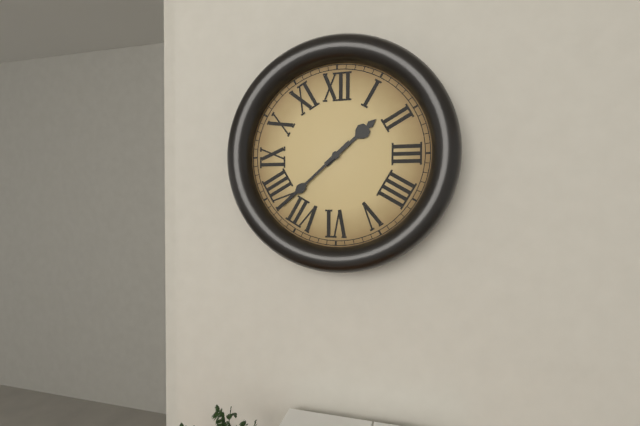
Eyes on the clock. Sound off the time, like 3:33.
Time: 1:38
